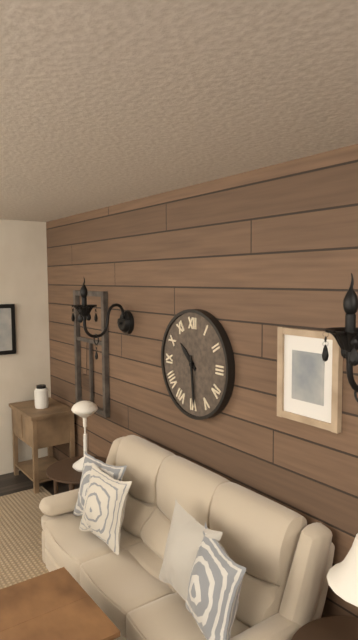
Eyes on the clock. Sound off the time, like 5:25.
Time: 10:29
